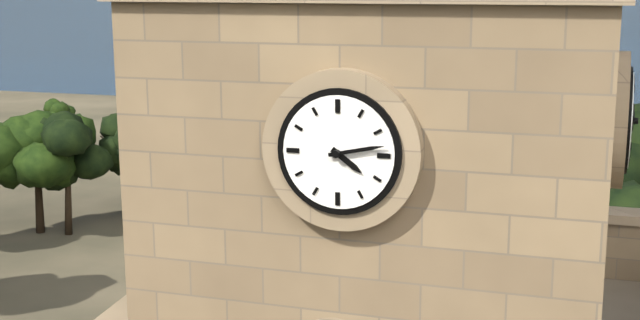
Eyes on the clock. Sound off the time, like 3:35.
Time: 4:13
